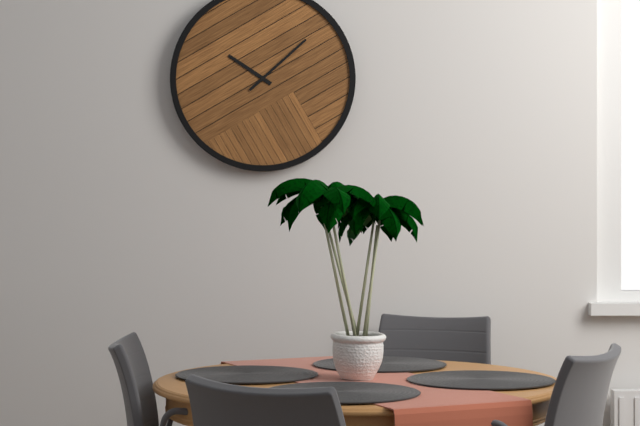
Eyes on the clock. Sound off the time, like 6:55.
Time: 10:08
